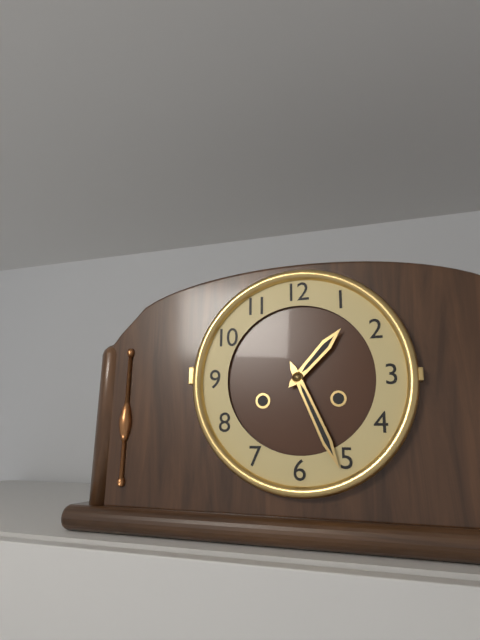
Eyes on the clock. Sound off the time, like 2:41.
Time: 1:26
